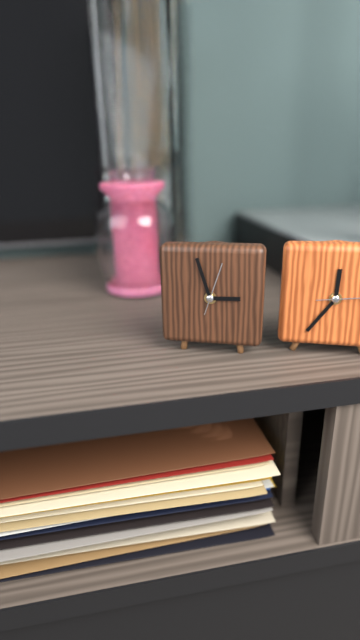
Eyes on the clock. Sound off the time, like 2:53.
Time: 2:57
